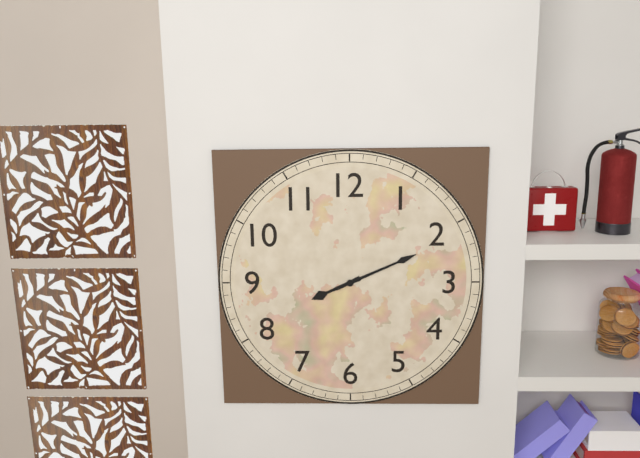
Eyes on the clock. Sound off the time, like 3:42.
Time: 8:11
